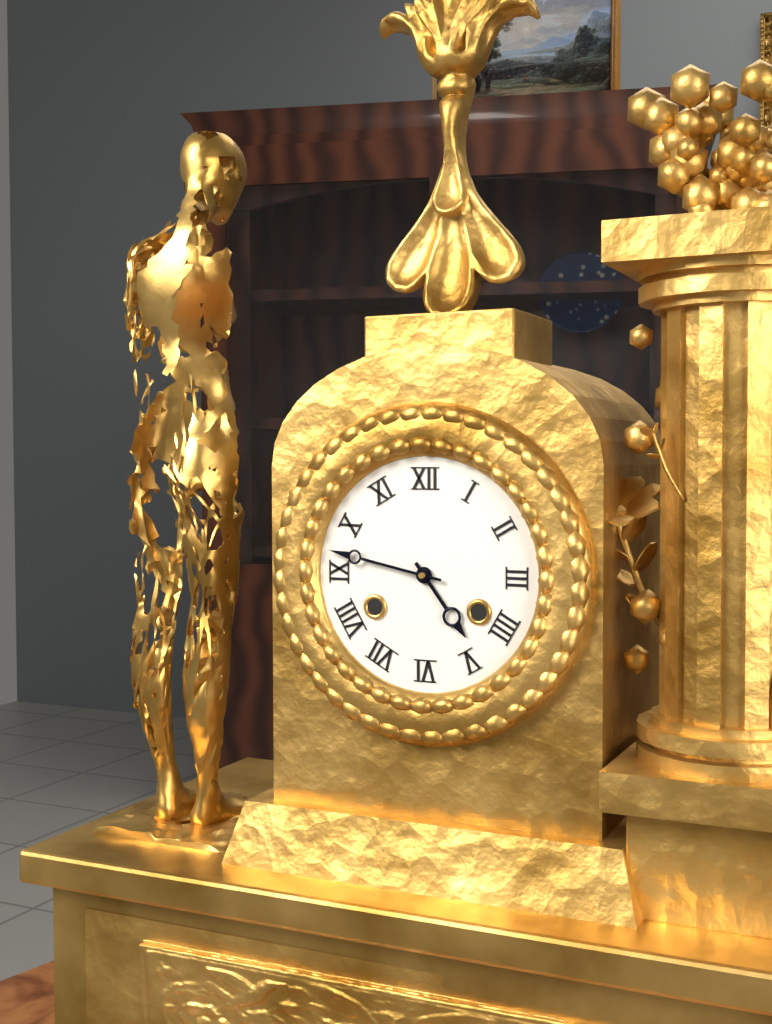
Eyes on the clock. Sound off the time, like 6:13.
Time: 4:47
